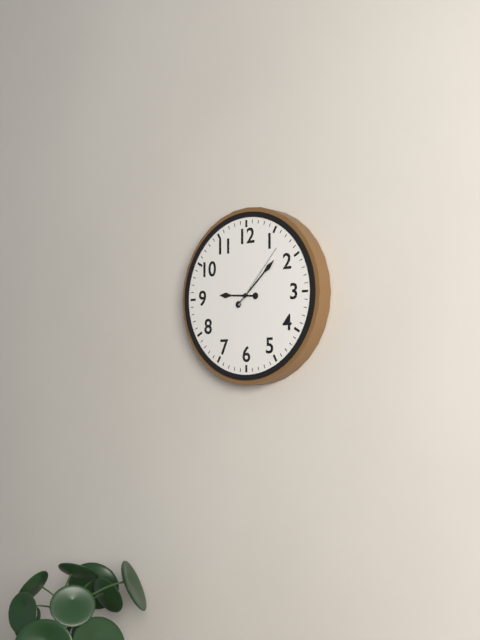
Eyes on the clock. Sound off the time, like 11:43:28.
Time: 9:08:07
